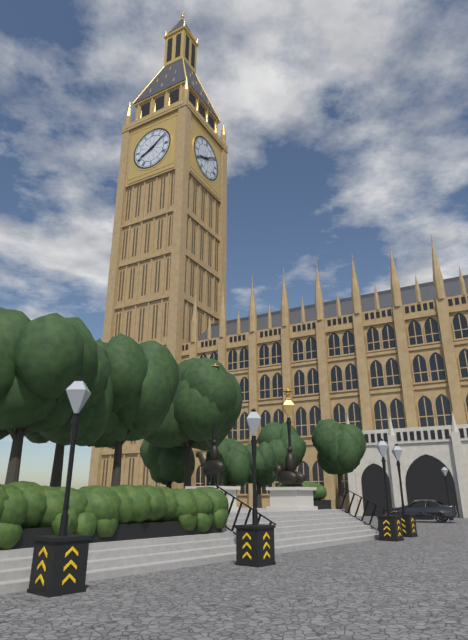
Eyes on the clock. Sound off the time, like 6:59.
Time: 8:09
